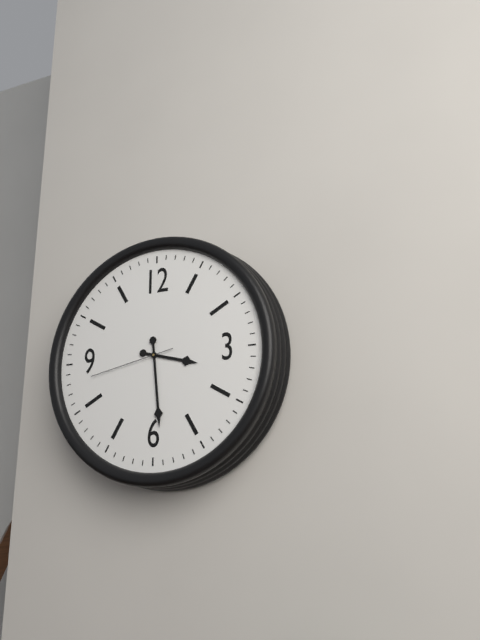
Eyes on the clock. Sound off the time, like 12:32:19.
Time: 3:29:43
